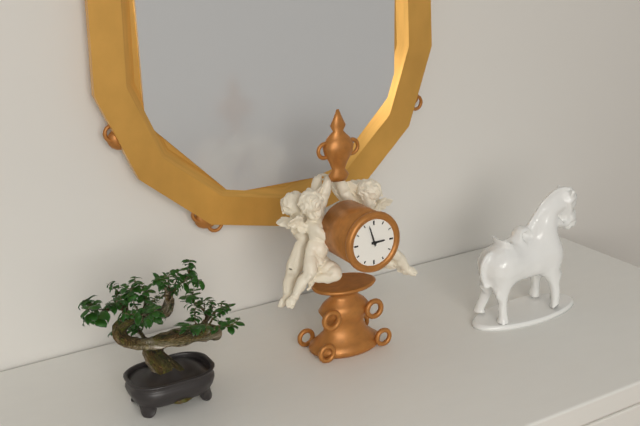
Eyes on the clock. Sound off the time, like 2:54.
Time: 2:57
